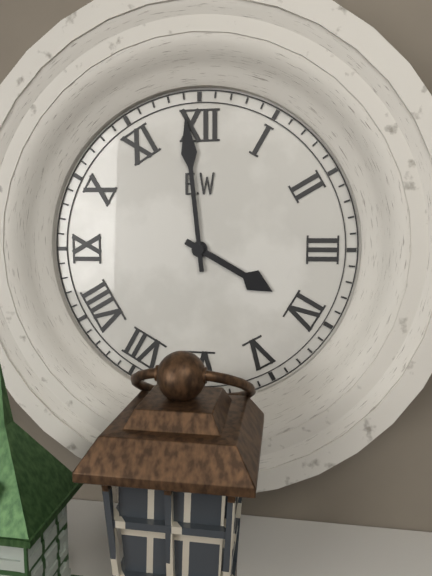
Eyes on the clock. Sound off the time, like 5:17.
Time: 3:59
